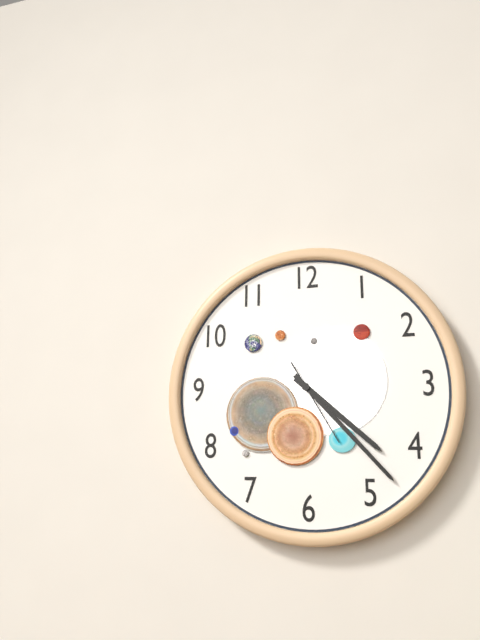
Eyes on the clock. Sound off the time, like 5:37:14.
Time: 4:23:25
